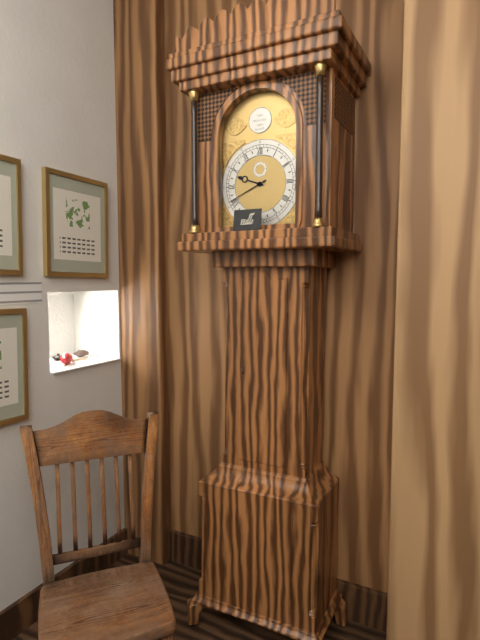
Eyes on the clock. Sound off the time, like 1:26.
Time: 9:41
